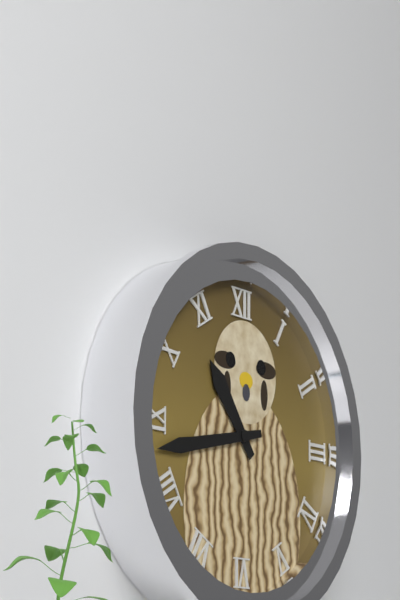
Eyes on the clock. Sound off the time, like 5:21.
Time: 10:43
